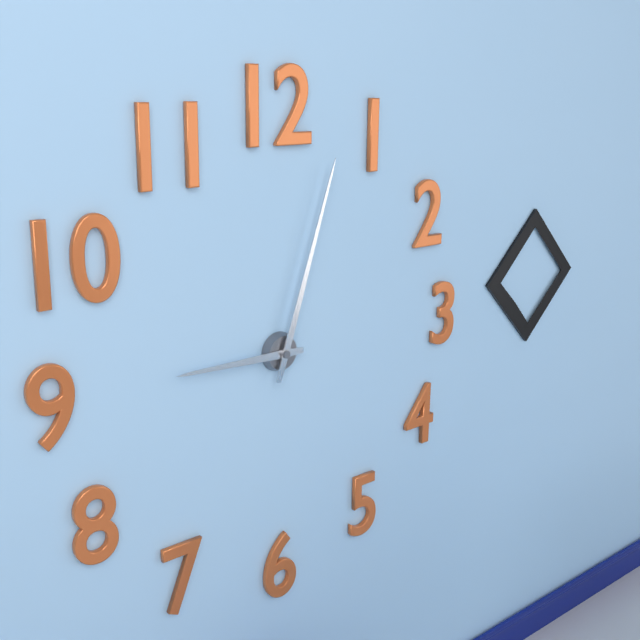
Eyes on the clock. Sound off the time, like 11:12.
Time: 9:03
